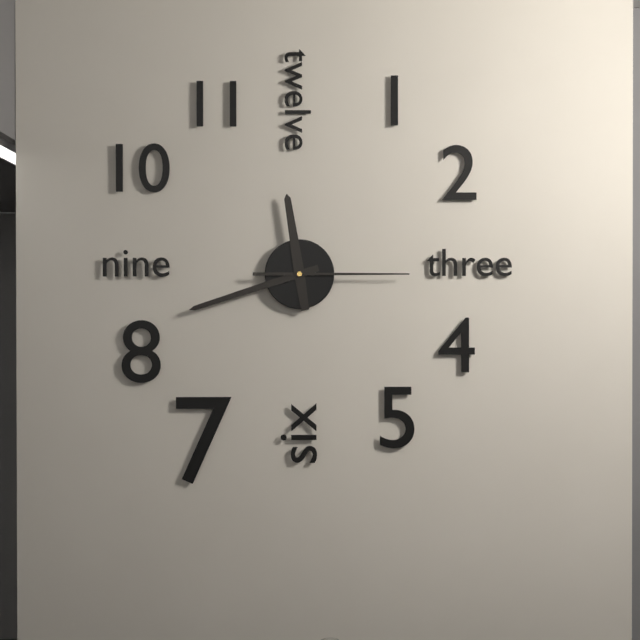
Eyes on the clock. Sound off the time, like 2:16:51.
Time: 11:42:15
